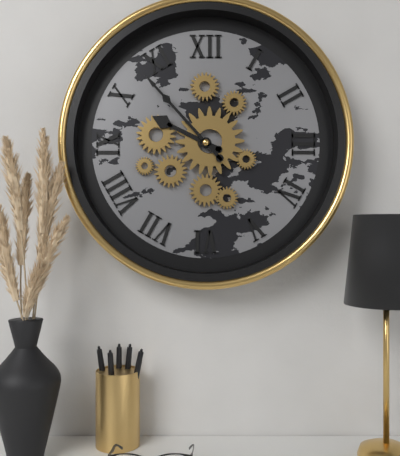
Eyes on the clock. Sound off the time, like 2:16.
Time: 9:53
